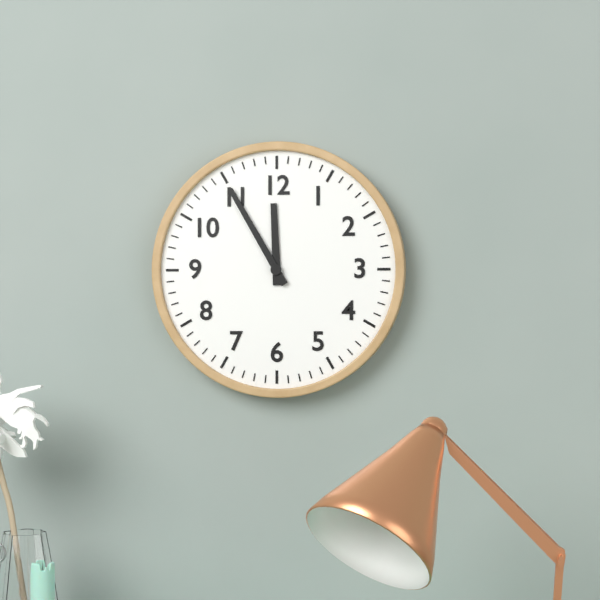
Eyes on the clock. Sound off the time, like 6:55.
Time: 11:55
